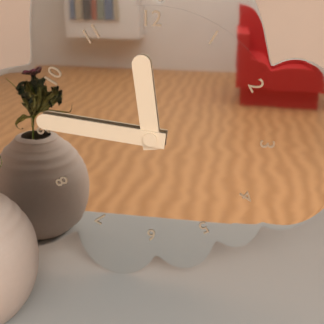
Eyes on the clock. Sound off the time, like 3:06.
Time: 11:46
